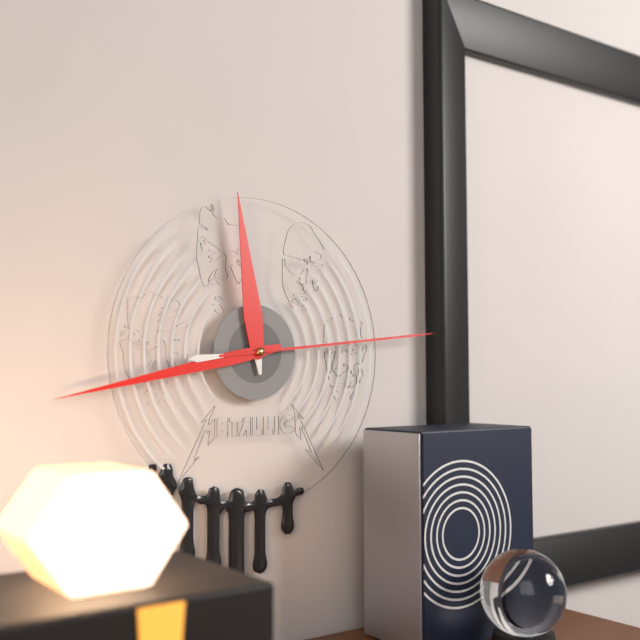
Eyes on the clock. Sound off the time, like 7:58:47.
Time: 11:43:14
